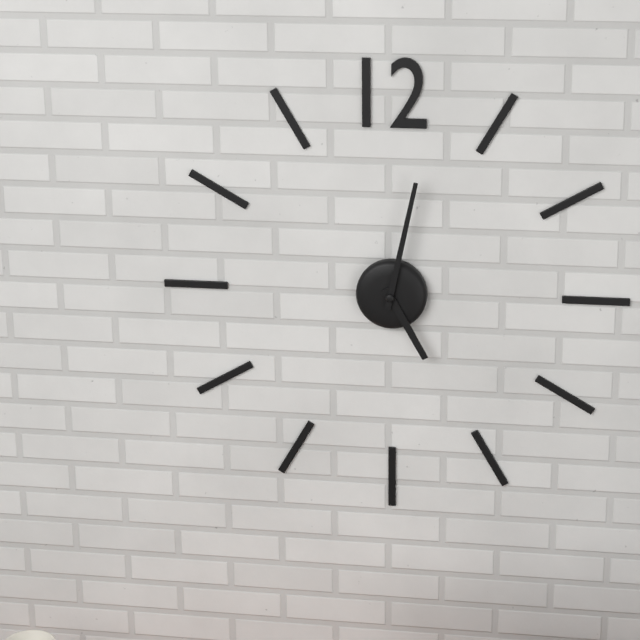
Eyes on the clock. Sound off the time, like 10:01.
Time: 5:02
